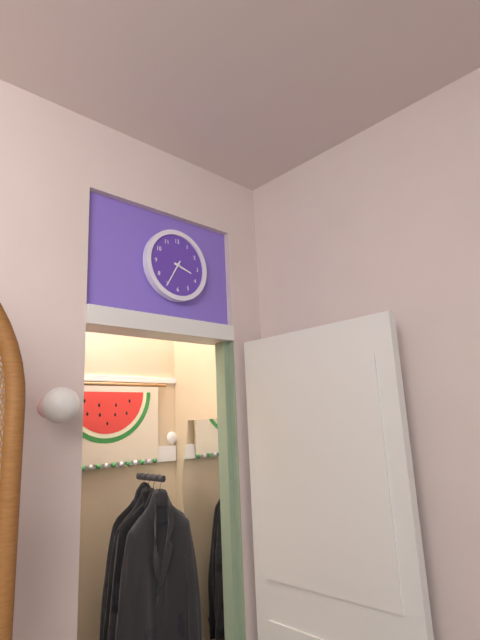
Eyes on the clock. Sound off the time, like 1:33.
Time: 3:35
